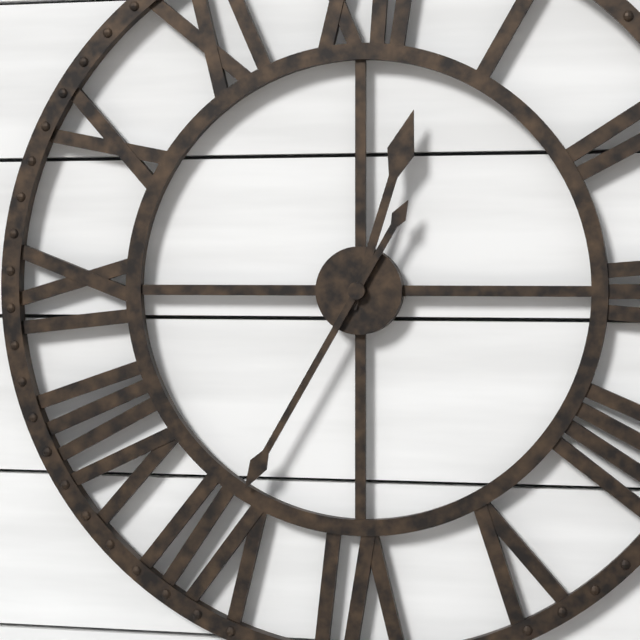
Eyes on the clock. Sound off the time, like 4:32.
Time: 12:35
